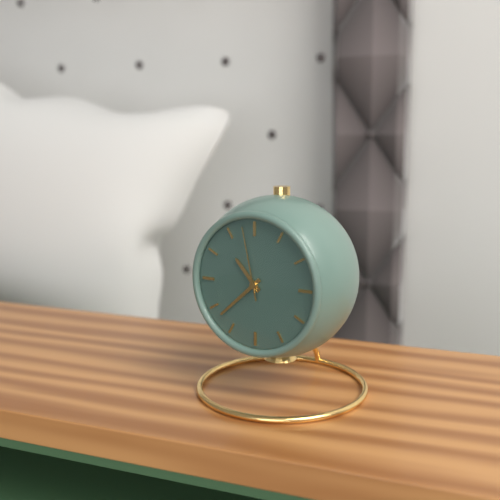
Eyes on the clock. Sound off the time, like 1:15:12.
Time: 10:38:58
